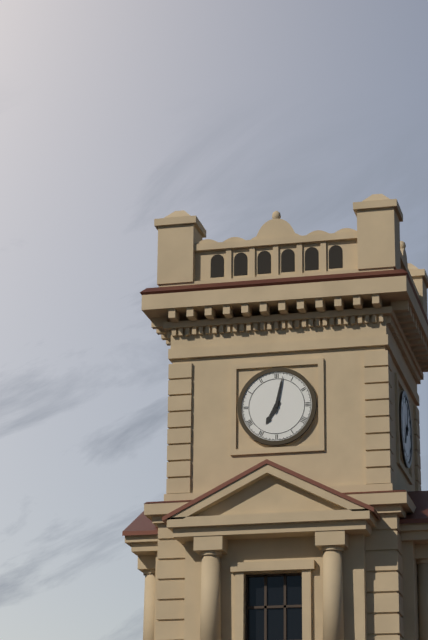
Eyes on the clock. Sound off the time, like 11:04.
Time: 7:02
